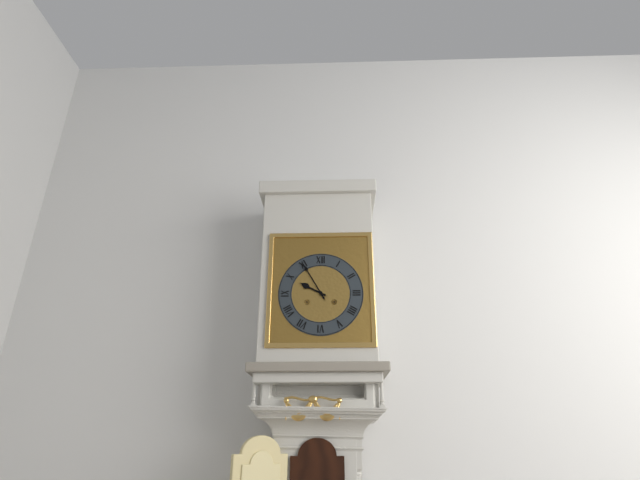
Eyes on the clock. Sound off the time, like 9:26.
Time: 9:55
